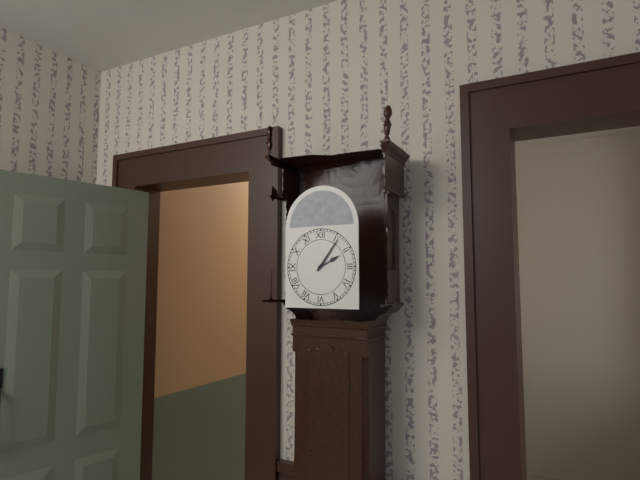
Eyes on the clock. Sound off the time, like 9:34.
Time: 2:06
